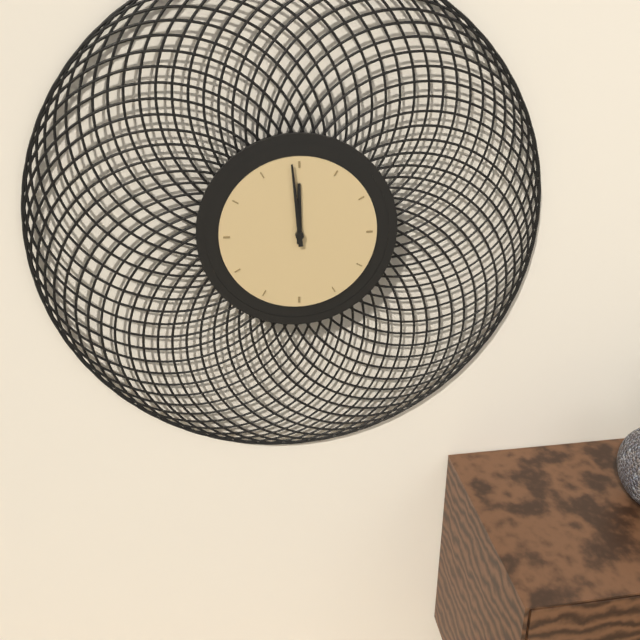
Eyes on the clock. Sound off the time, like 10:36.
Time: 11:59
